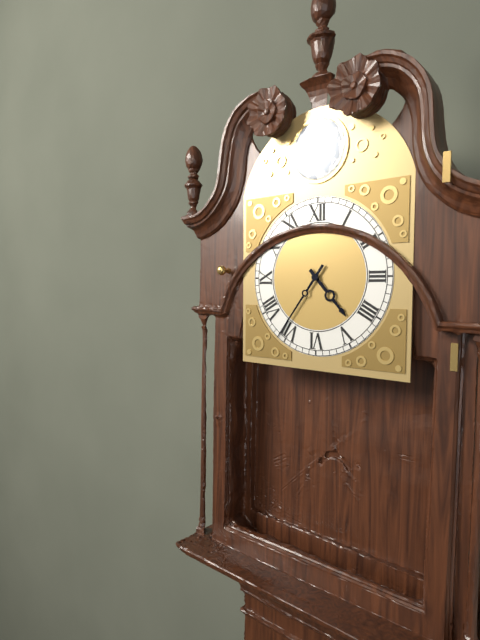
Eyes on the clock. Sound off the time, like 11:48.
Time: 4:36
